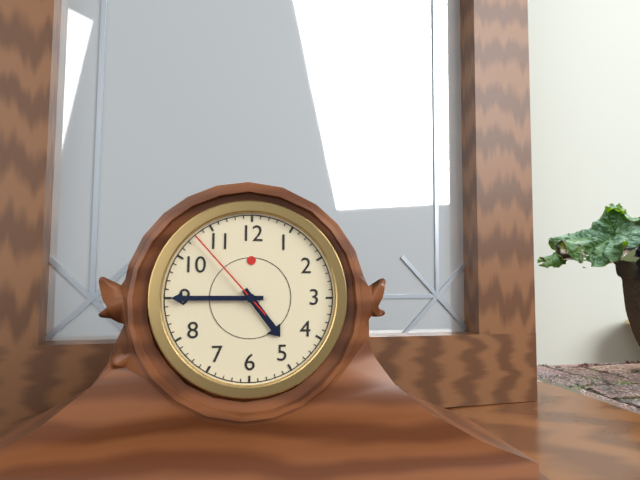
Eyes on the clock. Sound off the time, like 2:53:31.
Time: 4:45:53
